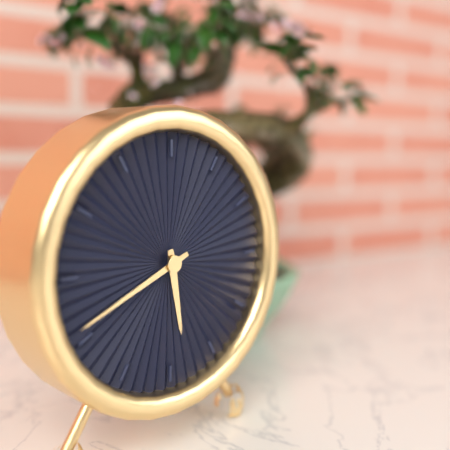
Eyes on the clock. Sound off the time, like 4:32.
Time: 5:41
